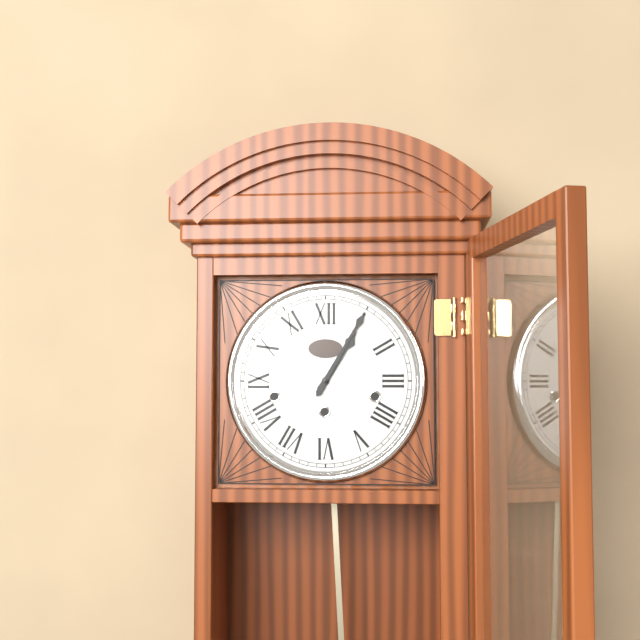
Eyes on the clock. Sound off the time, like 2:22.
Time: 1:05
